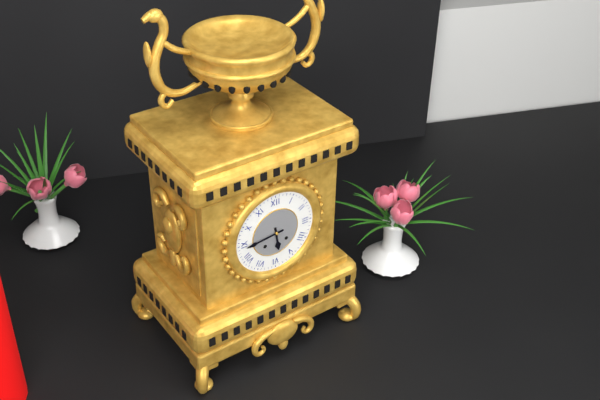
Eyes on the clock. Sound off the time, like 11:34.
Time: 5:44
